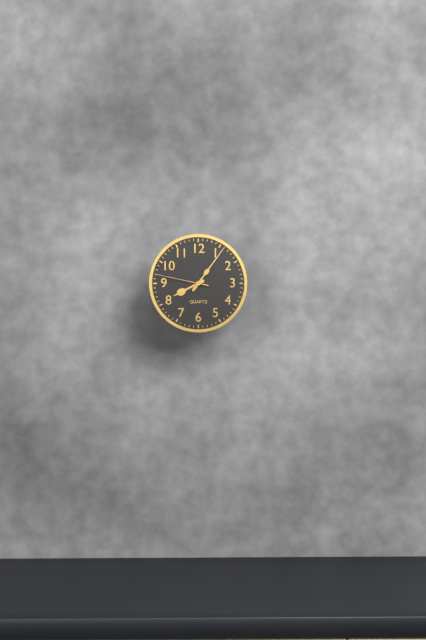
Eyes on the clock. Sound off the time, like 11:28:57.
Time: 8:06:47
